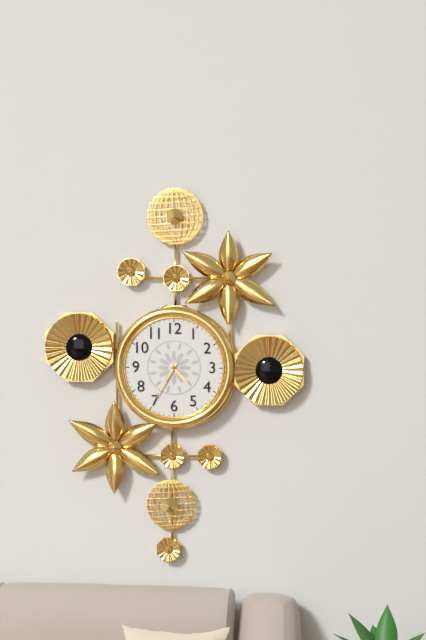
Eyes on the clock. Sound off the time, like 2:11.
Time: 4:35
